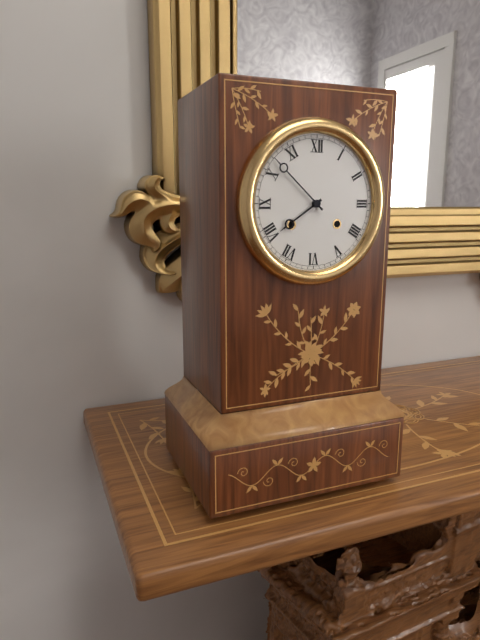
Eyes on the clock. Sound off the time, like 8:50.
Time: 7:52
